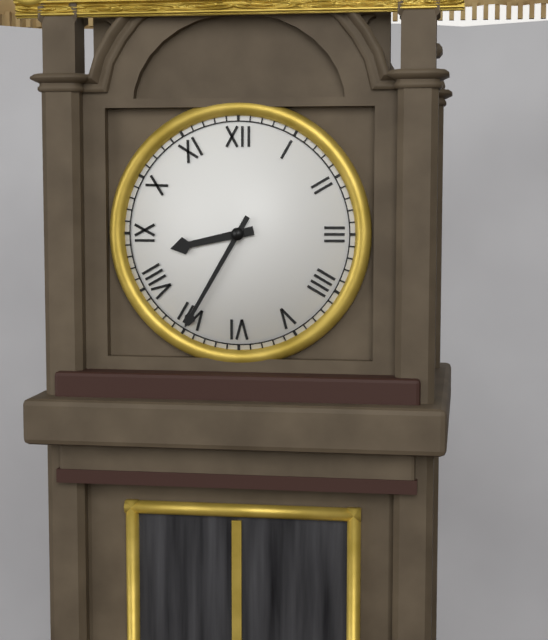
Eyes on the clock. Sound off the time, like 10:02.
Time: 8:35
